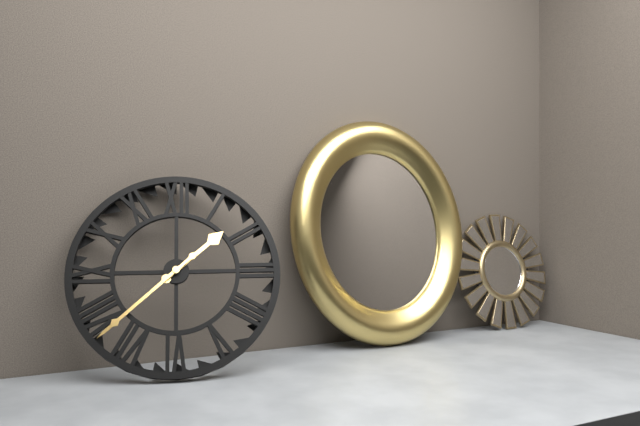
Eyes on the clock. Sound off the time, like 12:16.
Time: 1:38
